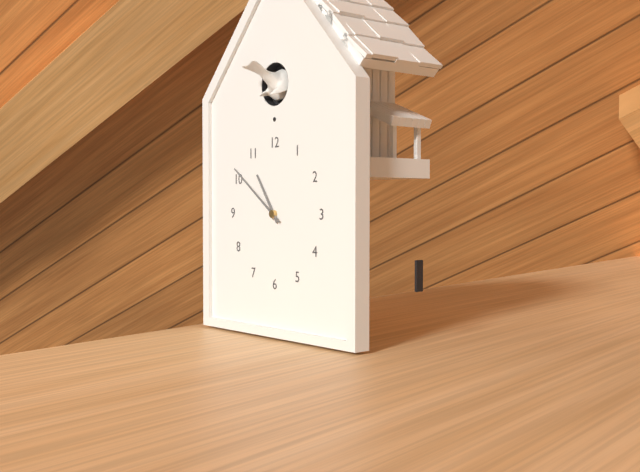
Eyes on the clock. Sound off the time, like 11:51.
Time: 10:51
